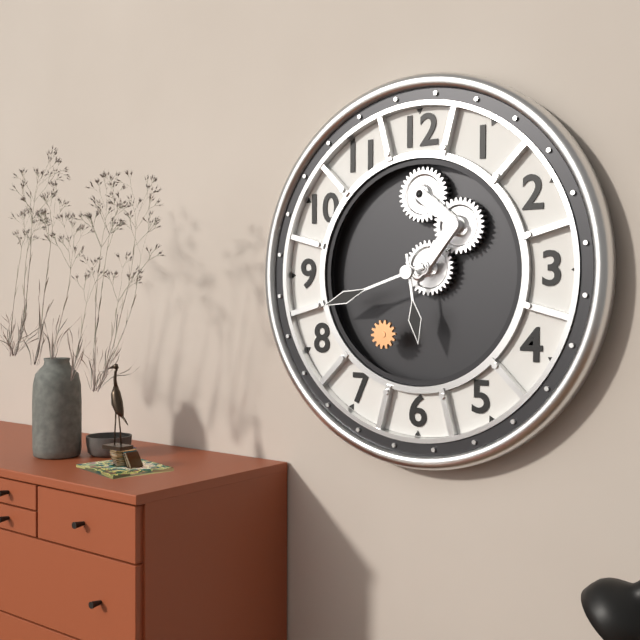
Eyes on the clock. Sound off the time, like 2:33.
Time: 5:42
